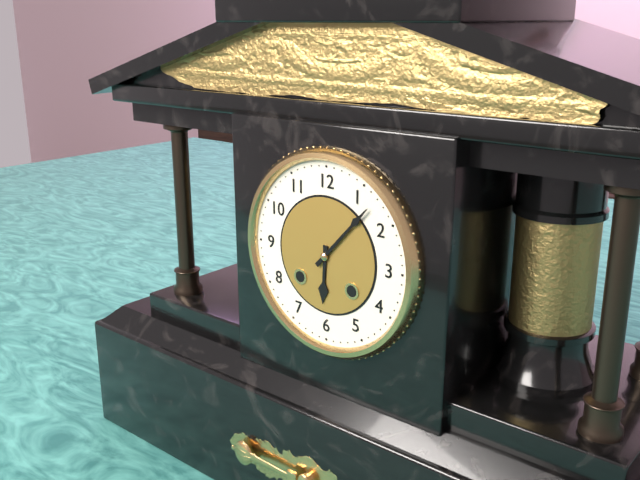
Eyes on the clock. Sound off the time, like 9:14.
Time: 6:07
